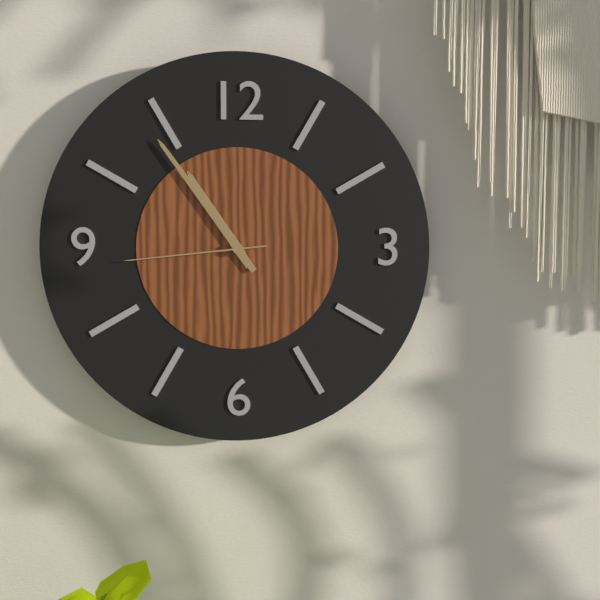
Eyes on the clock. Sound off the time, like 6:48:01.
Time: 10:54:44
